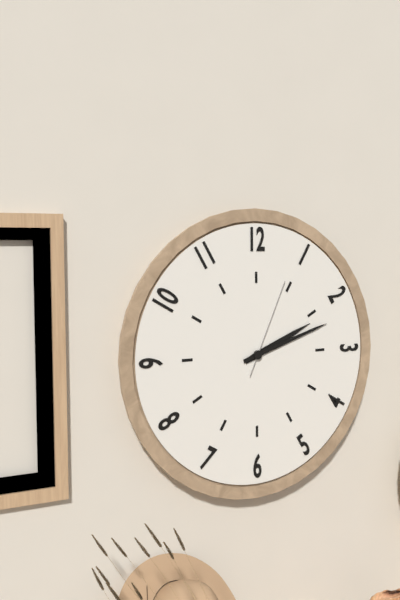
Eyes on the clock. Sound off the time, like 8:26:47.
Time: 2:12:04
